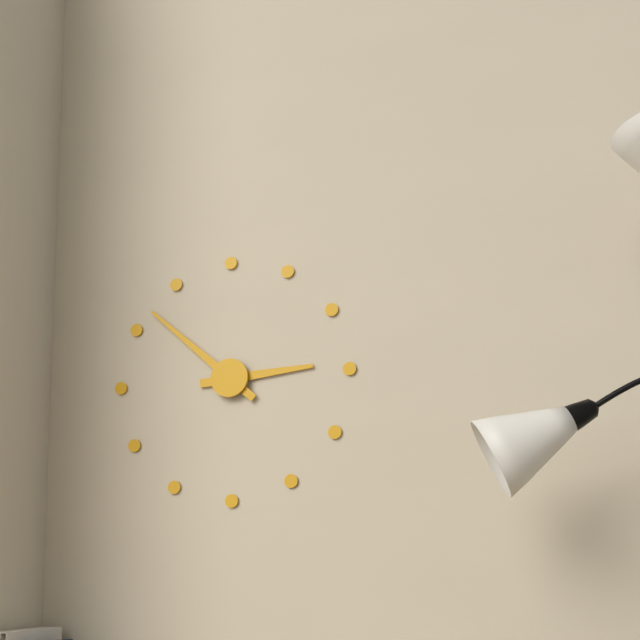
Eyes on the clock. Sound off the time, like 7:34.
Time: 2:52
